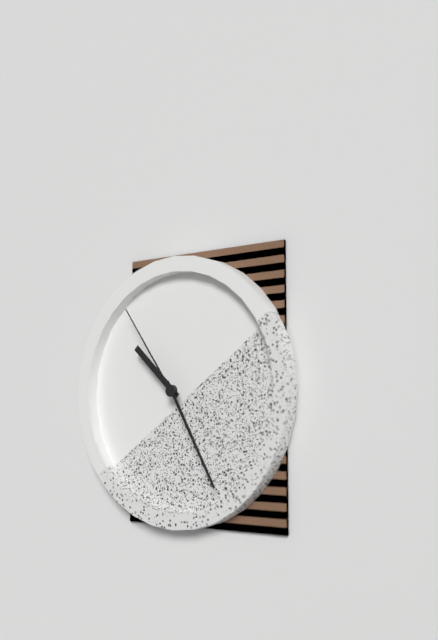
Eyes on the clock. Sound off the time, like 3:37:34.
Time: 10:25:54
